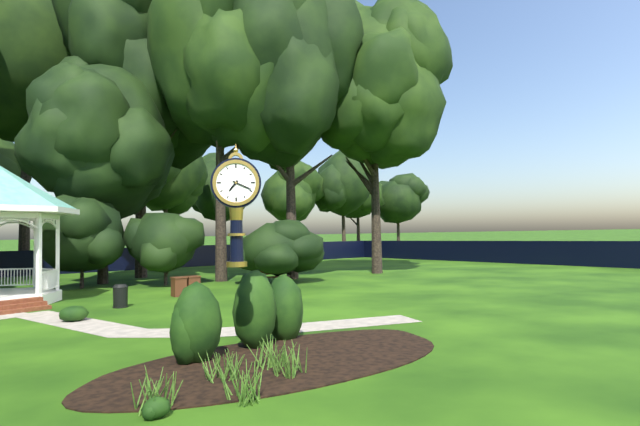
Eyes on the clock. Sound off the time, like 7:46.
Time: 7:19
